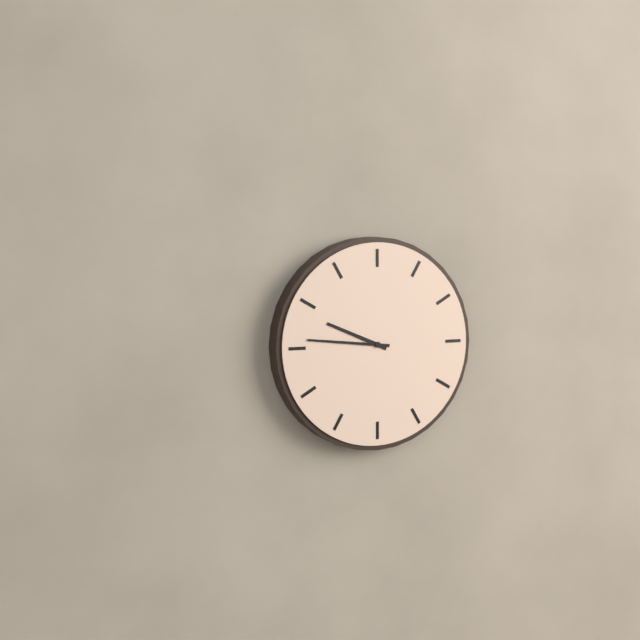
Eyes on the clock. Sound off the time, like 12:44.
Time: 9:46
